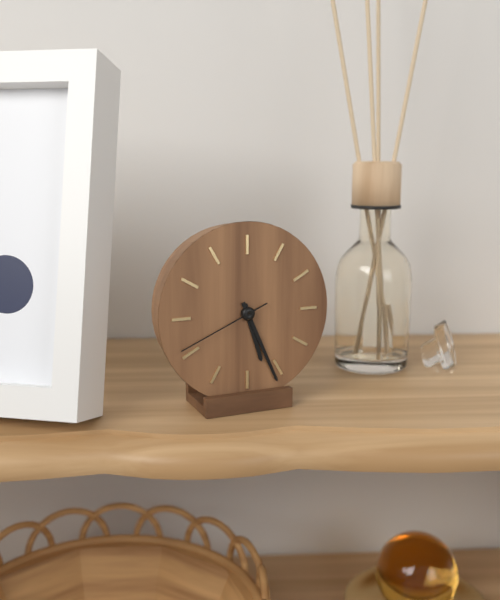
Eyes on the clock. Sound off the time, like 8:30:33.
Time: 5:26:41
